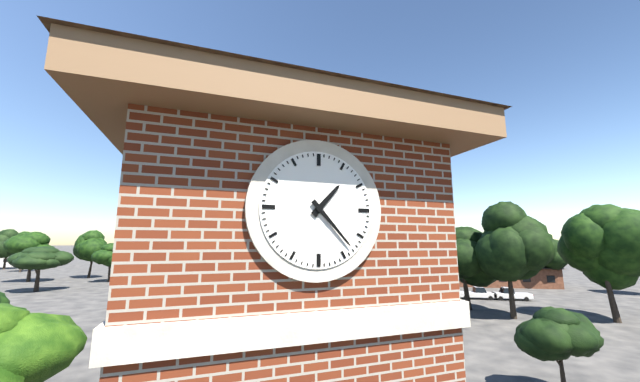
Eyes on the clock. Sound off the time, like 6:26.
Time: 1:23
